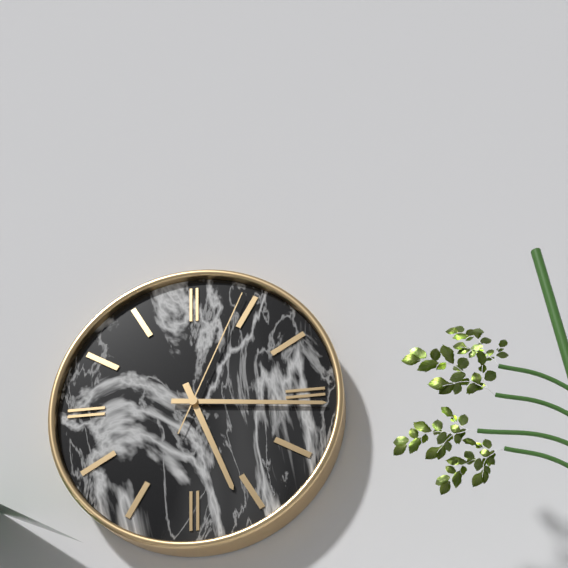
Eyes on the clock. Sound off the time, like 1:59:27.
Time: 5:16:04
